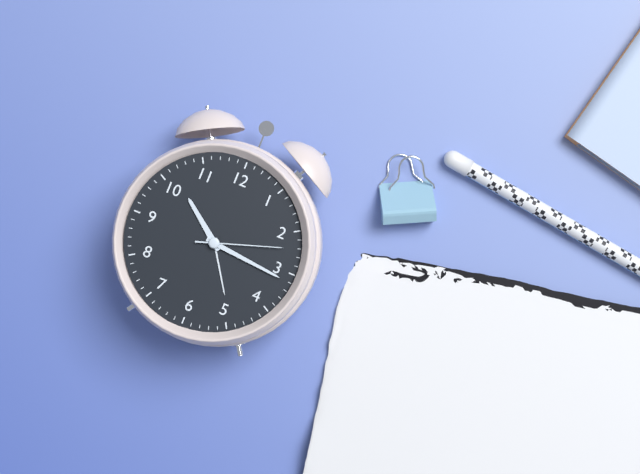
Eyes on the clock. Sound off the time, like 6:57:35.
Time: 10:16:12
